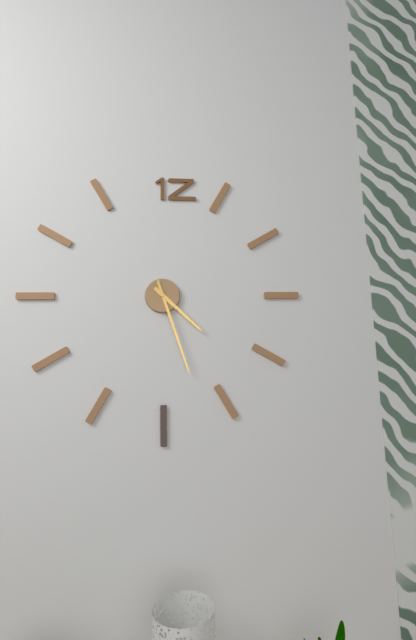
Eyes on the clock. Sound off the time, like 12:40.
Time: 4:27
